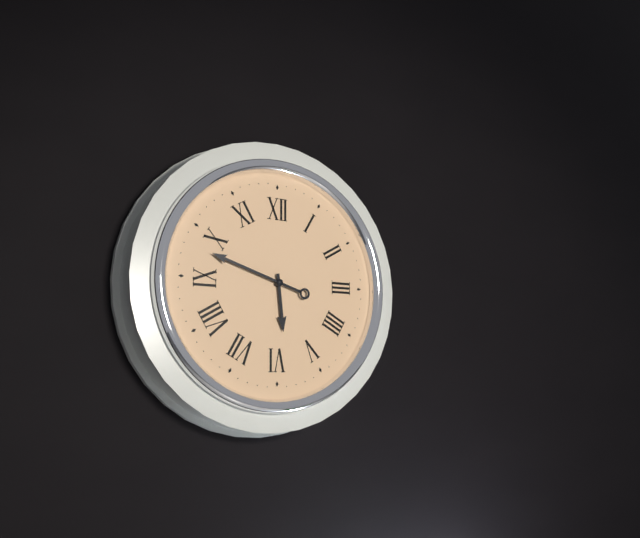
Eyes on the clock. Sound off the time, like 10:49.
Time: 5:48
